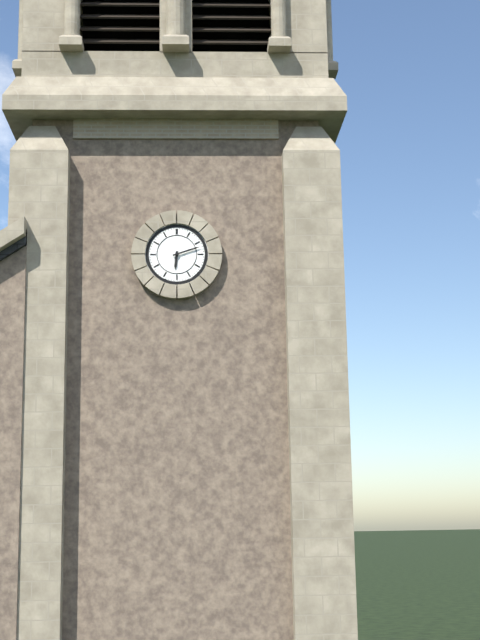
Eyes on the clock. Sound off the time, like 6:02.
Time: 6:12
